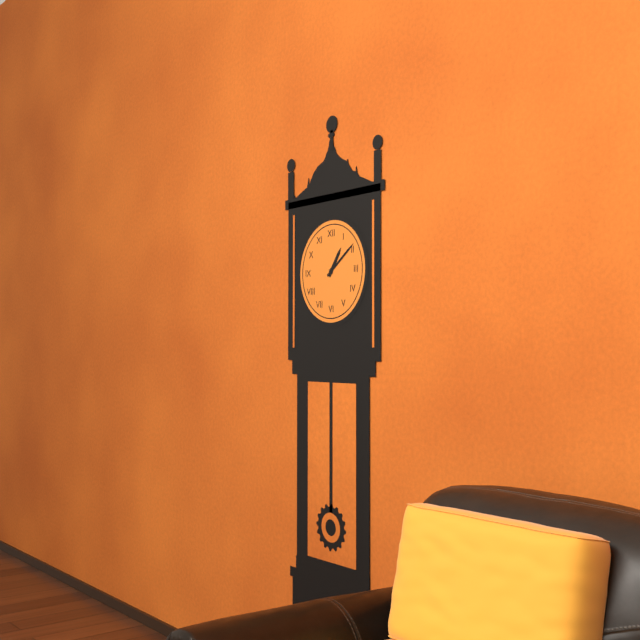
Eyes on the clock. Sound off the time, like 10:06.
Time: 1:09
